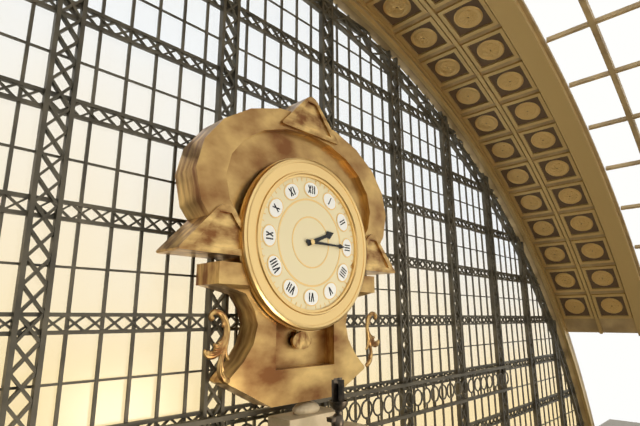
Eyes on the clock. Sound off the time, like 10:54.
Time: 2:15
